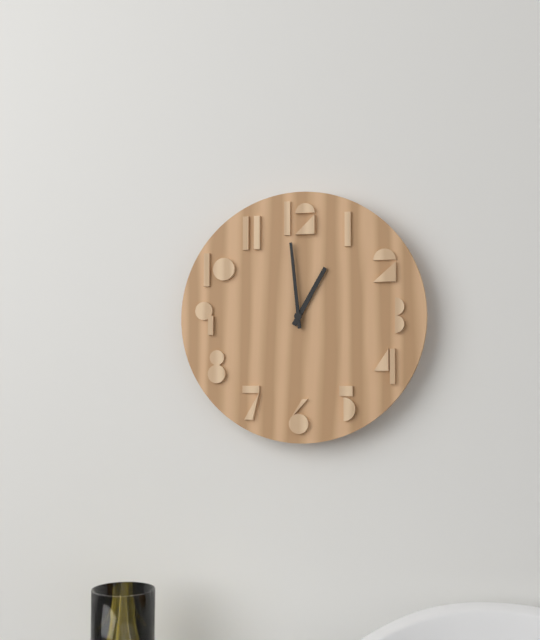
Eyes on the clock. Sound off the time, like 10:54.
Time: 12:59
